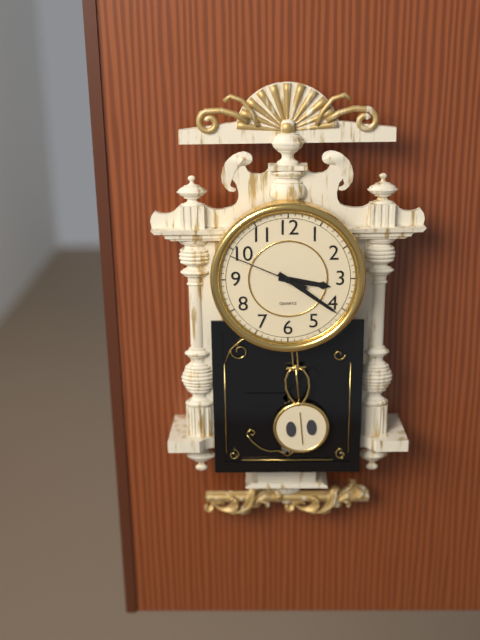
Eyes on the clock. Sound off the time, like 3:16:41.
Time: 3:21:49
